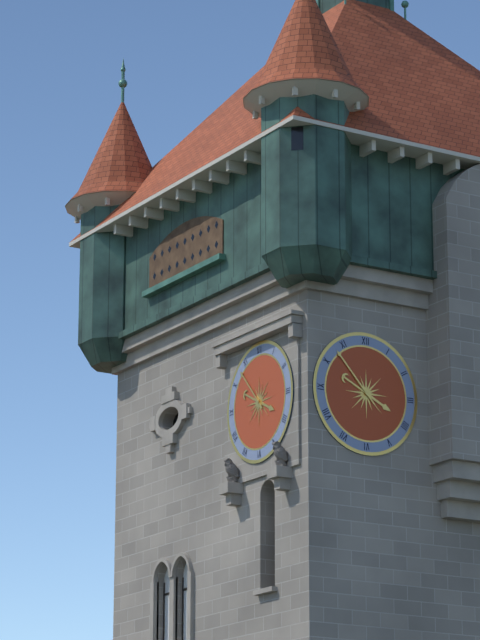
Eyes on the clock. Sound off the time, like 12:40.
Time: 3:53
